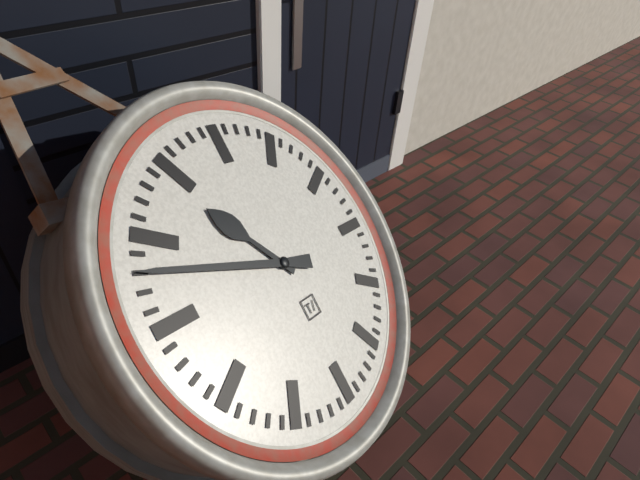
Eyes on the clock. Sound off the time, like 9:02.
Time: 10:48
